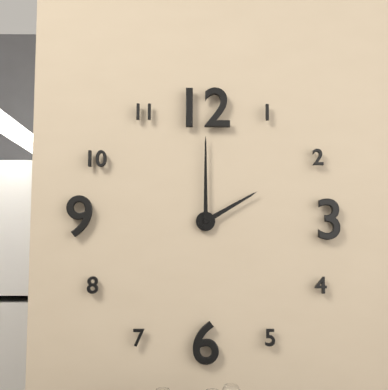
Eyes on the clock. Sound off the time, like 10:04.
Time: 2:00
